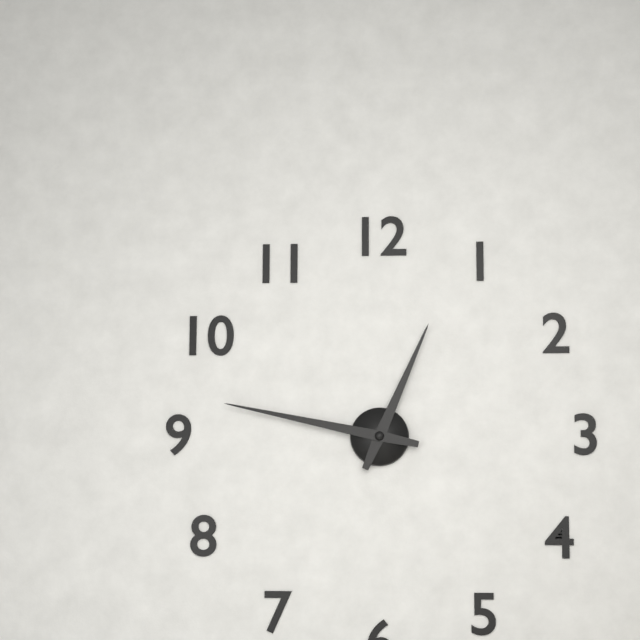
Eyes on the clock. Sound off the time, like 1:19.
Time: 12:47
